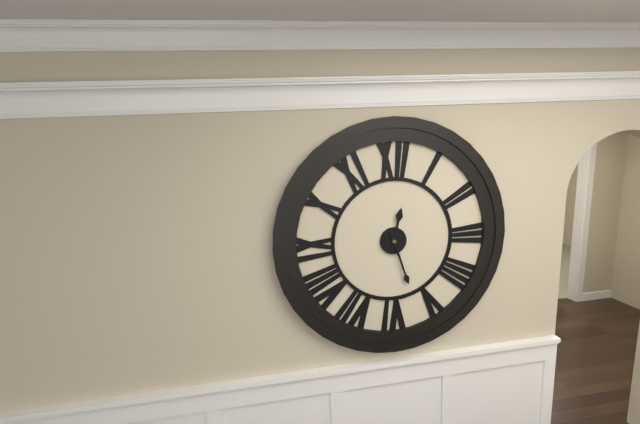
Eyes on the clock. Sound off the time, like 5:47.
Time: 12:27
